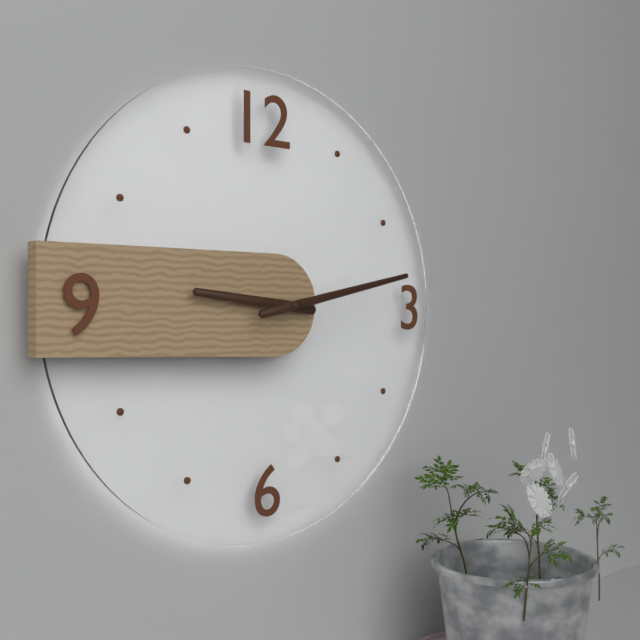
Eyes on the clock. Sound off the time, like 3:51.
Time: 9:13
